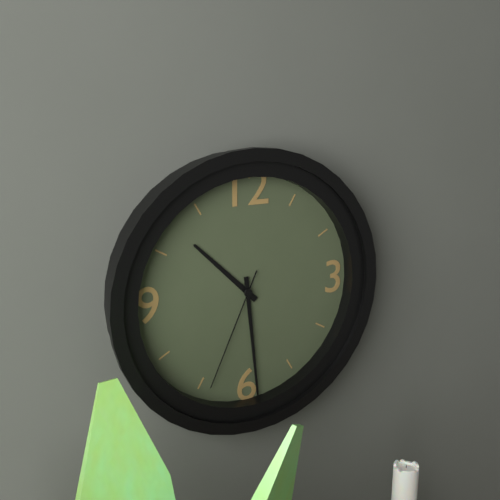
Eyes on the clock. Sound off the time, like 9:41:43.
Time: 10:29:34
